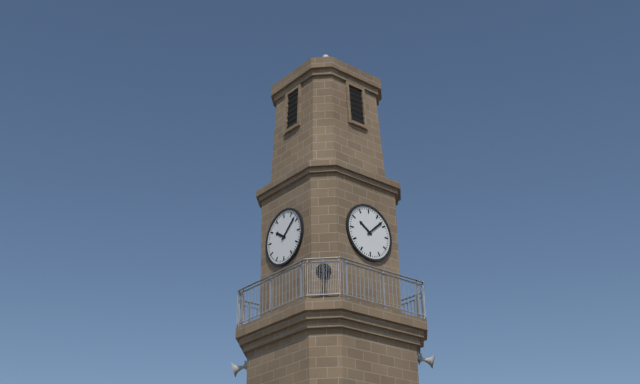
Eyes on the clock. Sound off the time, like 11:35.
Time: 10:08
